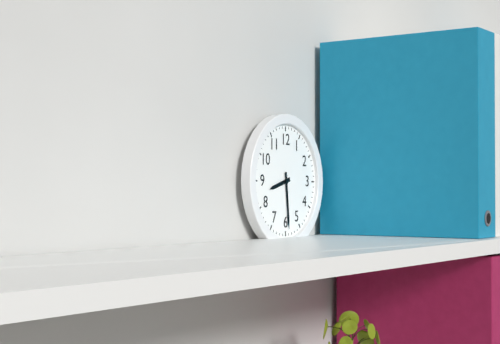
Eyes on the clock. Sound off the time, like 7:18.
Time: 8:29
